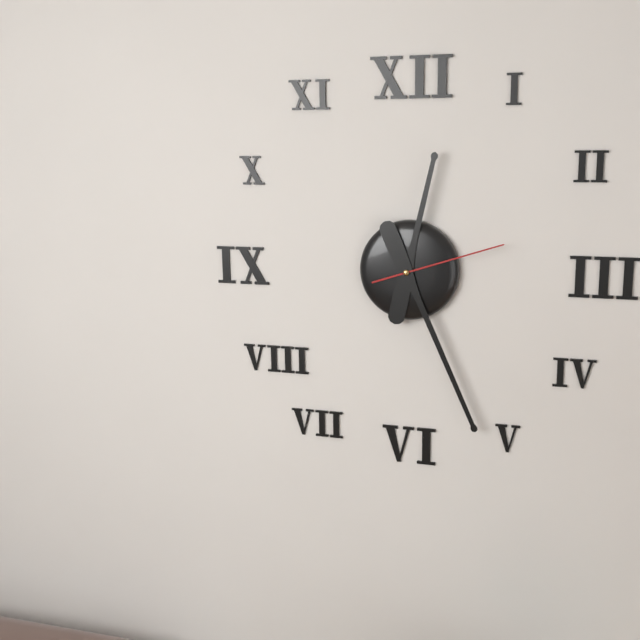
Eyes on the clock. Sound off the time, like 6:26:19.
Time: 12:26:12
